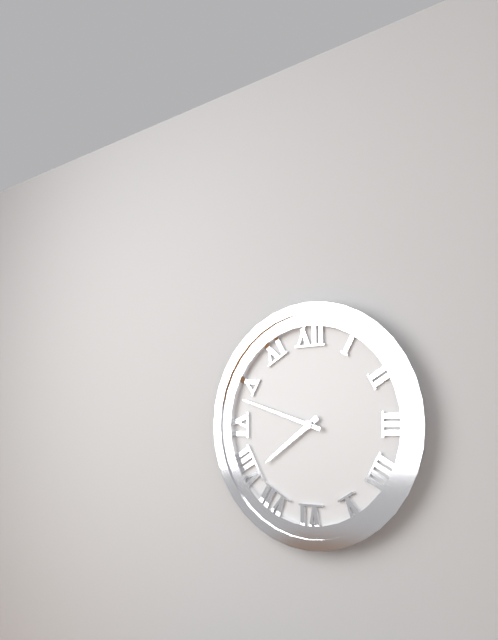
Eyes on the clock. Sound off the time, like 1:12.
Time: 7:48
